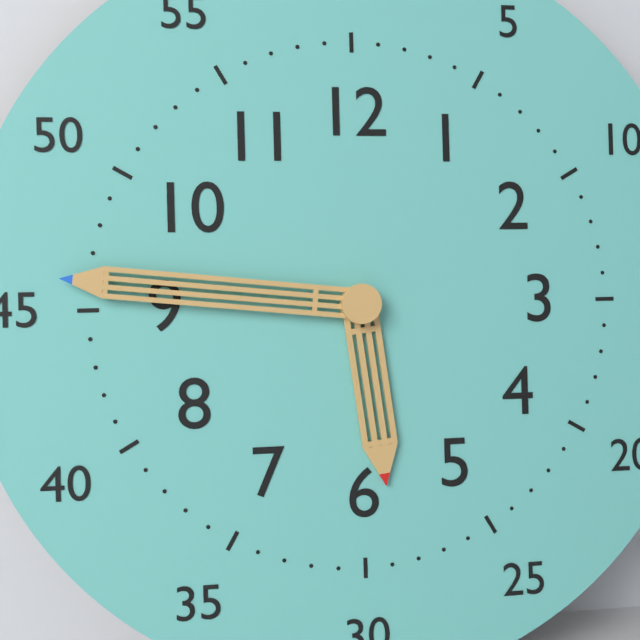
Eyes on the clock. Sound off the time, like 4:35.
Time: 5:46
